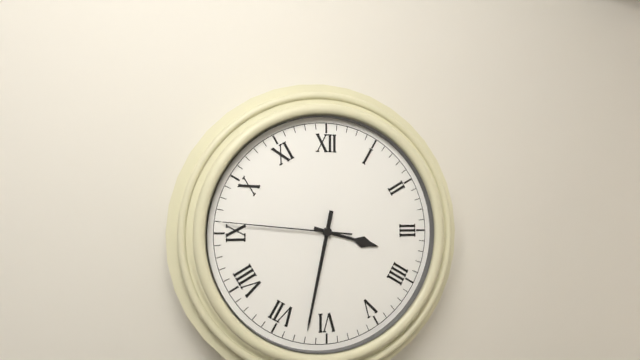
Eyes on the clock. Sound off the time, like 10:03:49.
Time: 3:32:46
